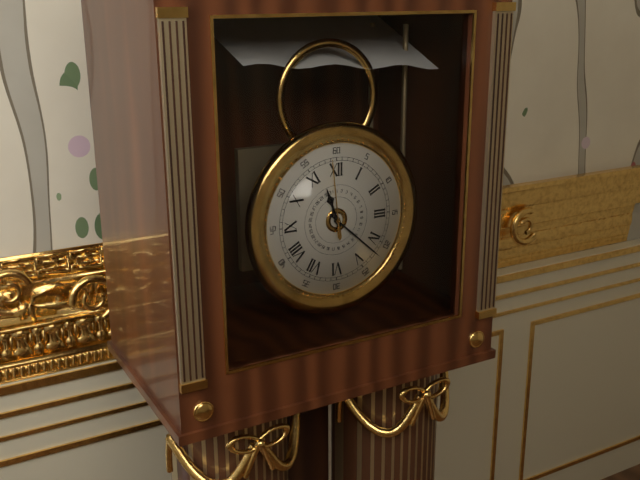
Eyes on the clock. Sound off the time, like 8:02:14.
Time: 11:22:59
